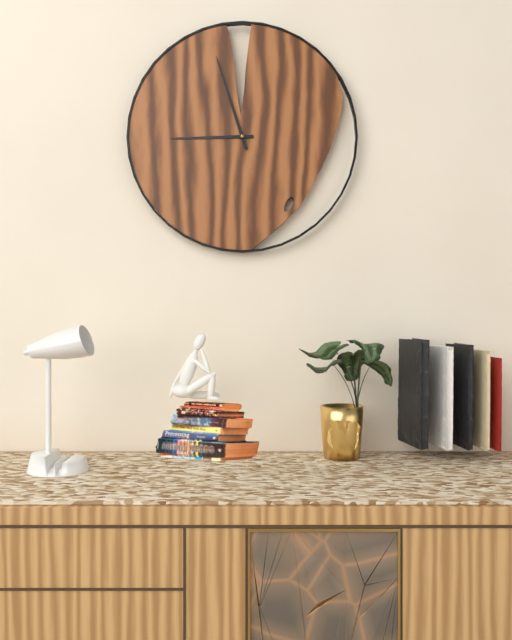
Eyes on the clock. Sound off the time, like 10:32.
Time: 8:57
